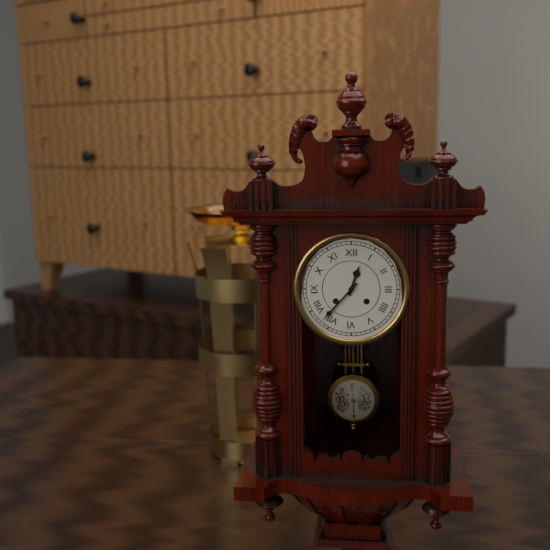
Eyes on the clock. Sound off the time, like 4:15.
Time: 12:37
